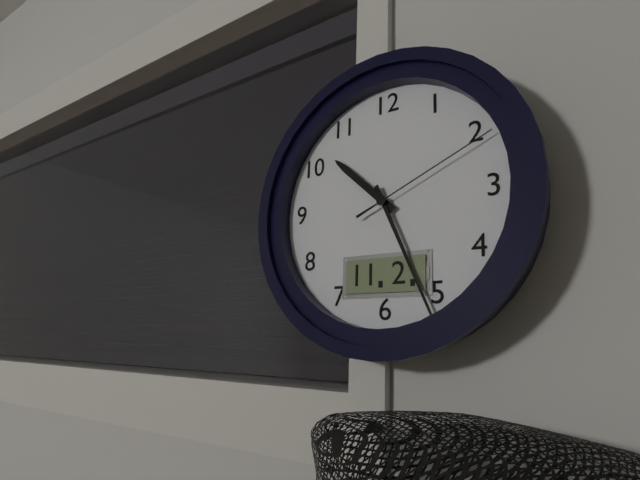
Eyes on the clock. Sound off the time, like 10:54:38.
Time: 10:26:11
